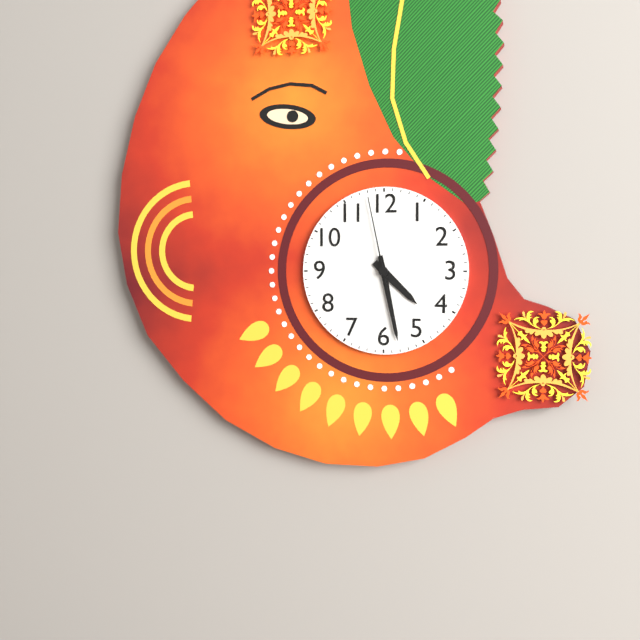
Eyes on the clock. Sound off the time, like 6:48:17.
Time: 4:28:58
